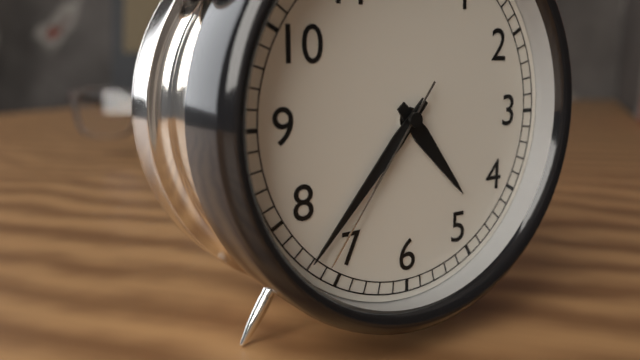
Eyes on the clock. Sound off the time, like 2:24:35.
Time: 4:37:36
